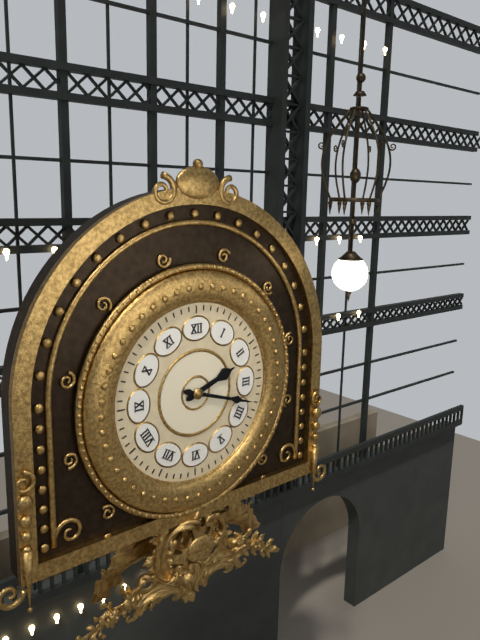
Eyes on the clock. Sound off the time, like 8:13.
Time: 2:18
